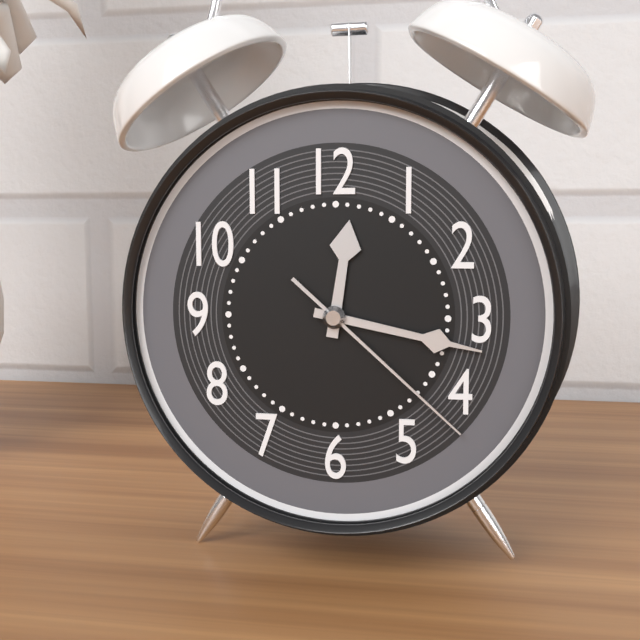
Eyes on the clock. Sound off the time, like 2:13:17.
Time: 12:17:22
